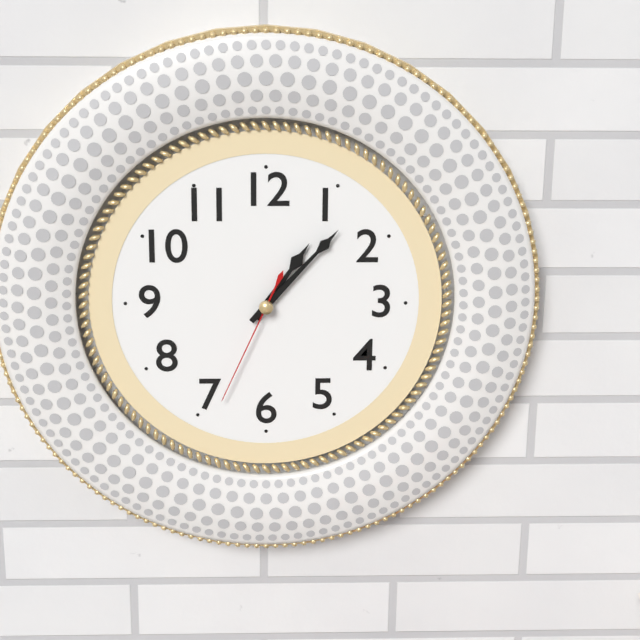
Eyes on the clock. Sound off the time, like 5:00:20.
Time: 1:07:34
